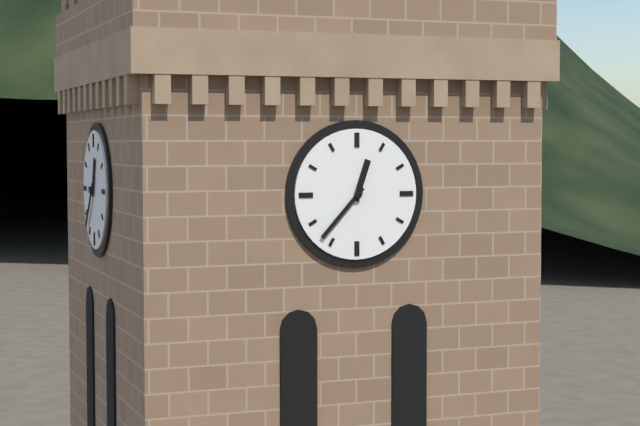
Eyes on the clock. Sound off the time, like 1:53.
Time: 12:37
